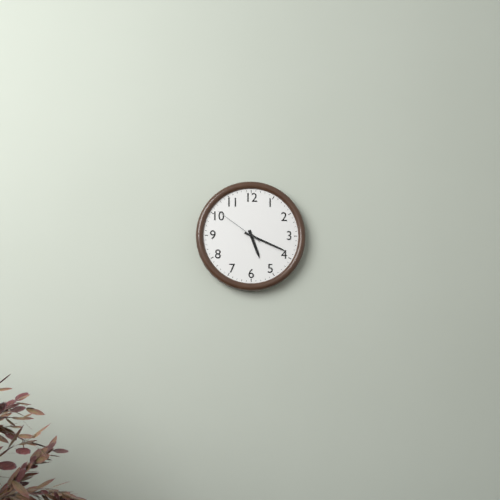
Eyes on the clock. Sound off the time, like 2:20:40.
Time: 5:19:51
